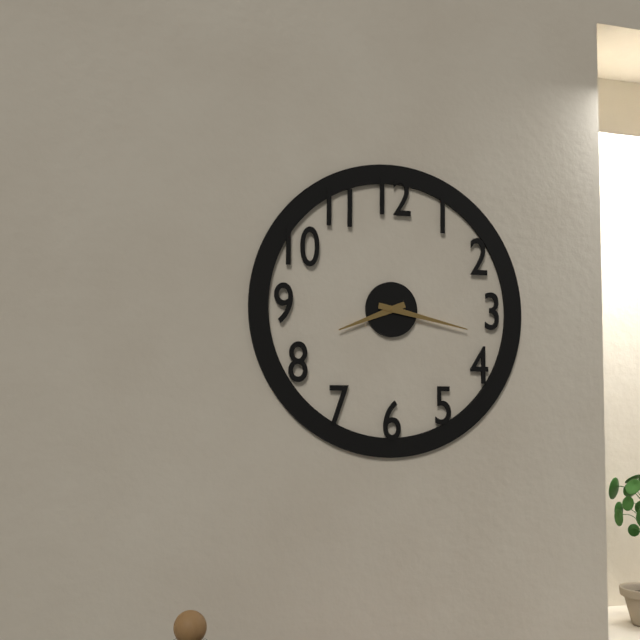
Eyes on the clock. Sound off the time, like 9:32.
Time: 8:17
